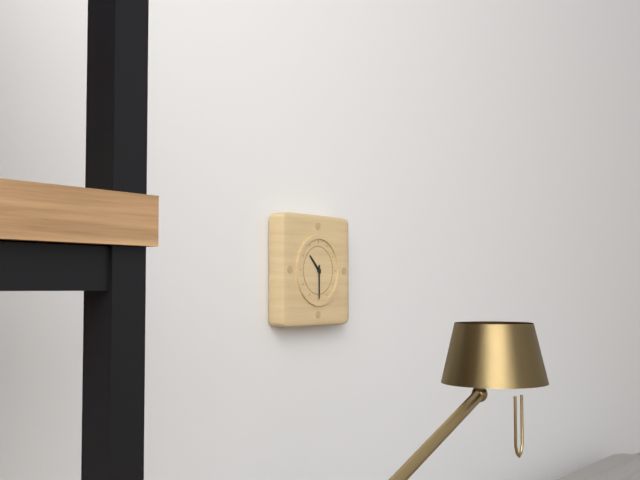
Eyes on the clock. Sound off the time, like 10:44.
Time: 10:30
